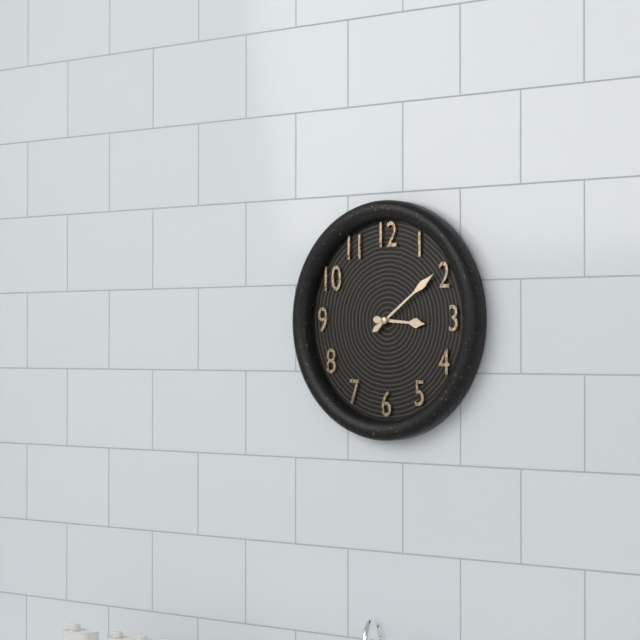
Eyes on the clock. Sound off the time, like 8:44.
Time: 3:09
